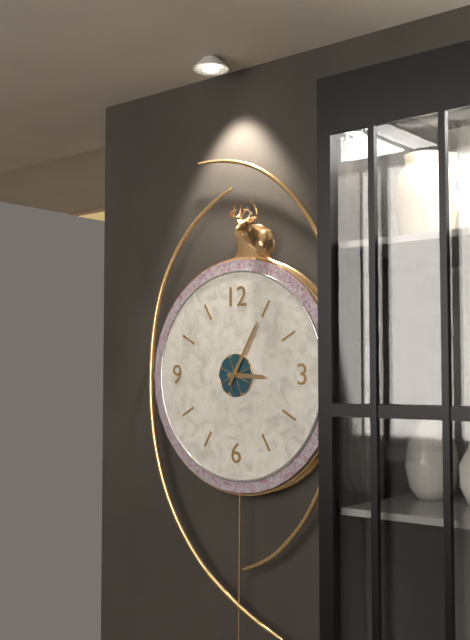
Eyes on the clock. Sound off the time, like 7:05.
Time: 3:05
